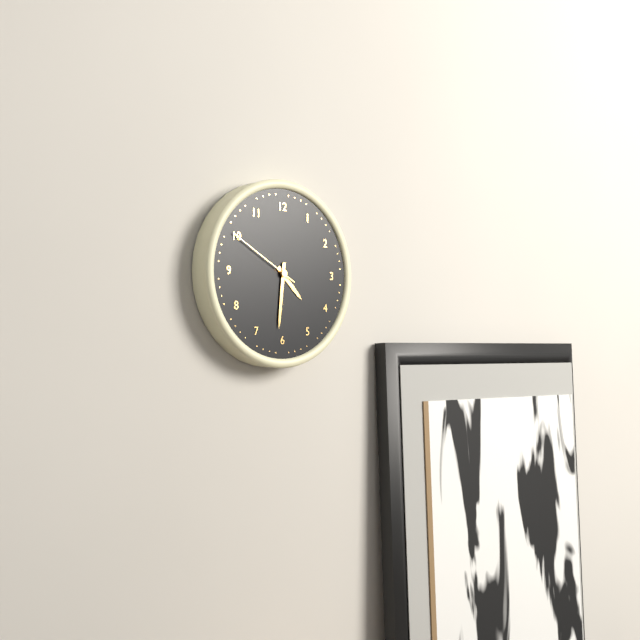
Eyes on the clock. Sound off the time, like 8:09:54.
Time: 4:31:50
